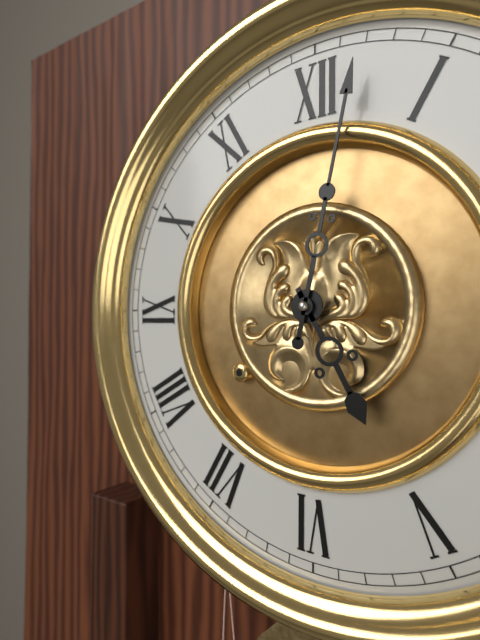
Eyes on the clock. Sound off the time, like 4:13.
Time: 5:02
